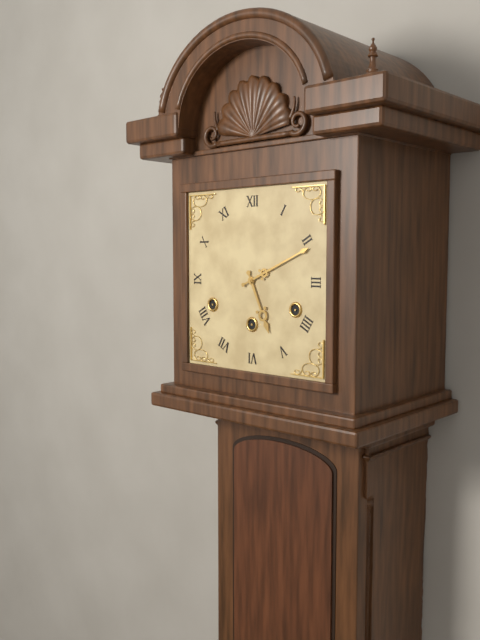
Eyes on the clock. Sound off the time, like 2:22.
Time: 5:11
